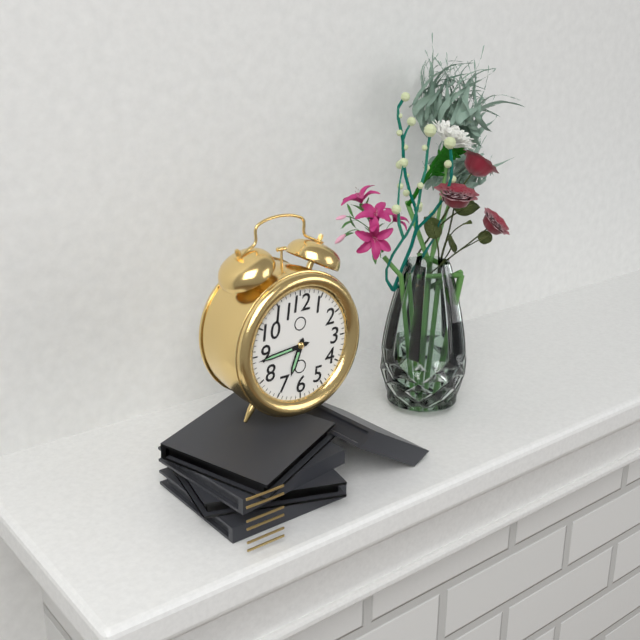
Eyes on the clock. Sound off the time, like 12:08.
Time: 6:44
